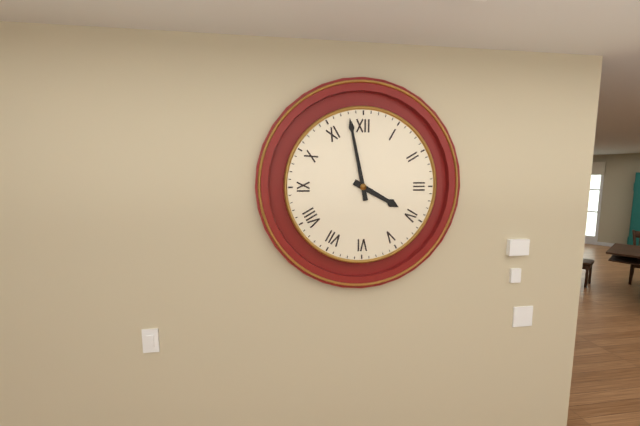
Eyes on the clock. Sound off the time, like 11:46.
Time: 3:58
